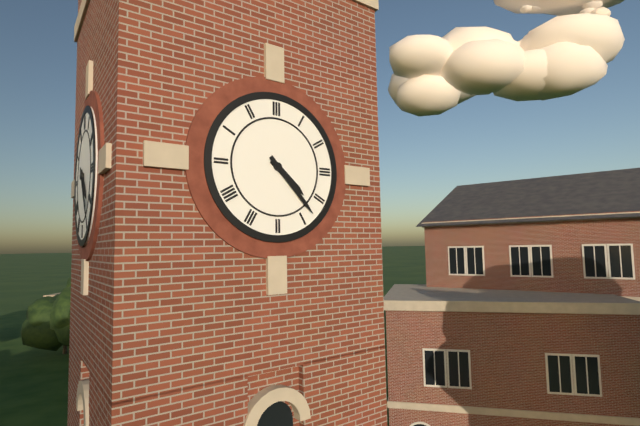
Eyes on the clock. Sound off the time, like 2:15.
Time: 4:23
